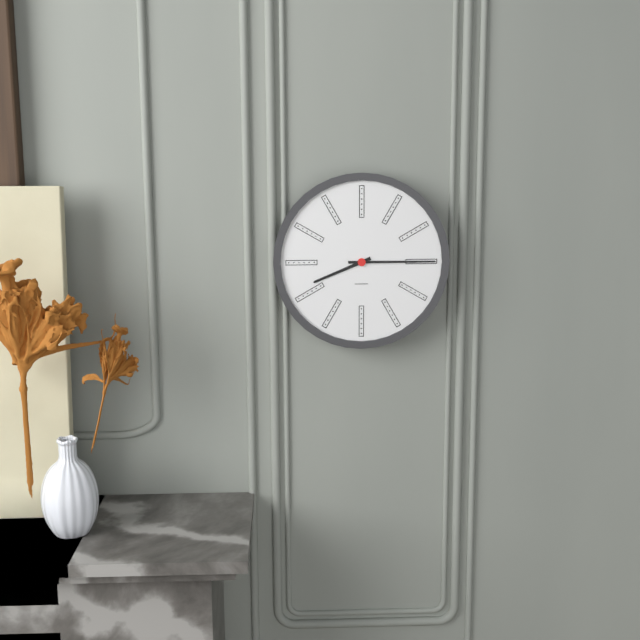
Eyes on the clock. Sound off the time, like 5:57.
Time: 8:15
